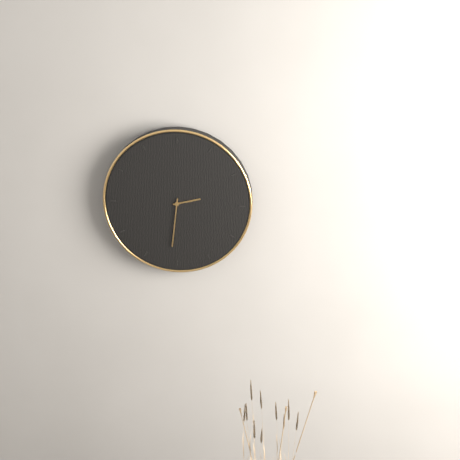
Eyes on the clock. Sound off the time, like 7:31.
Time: 2:31
